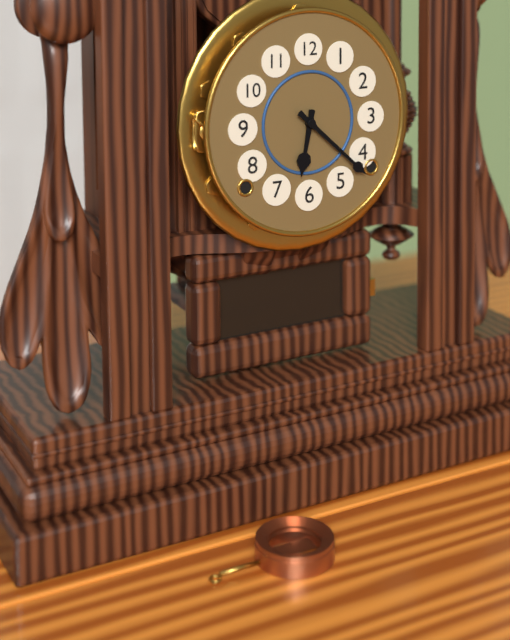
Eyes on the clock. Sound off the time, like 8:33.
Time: 6:22
